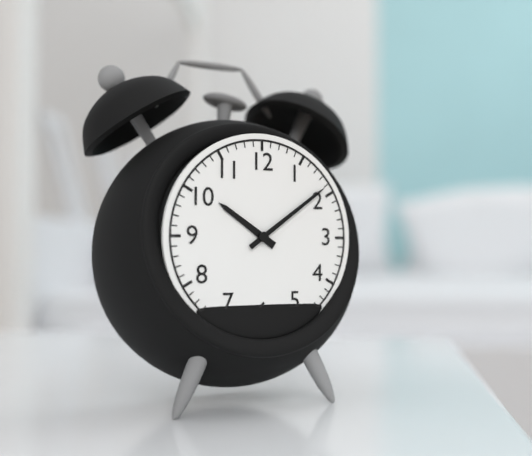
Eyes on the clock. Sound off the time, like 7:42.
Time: 10:09
